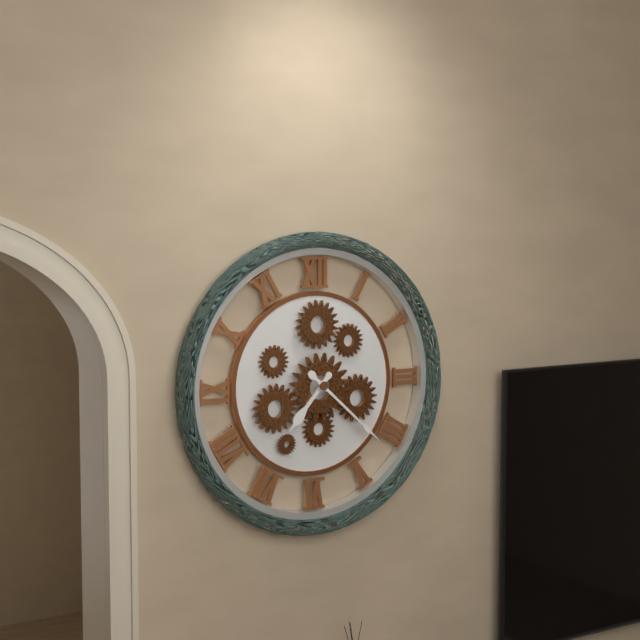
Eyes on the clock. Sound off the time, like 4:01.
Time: 7:22
